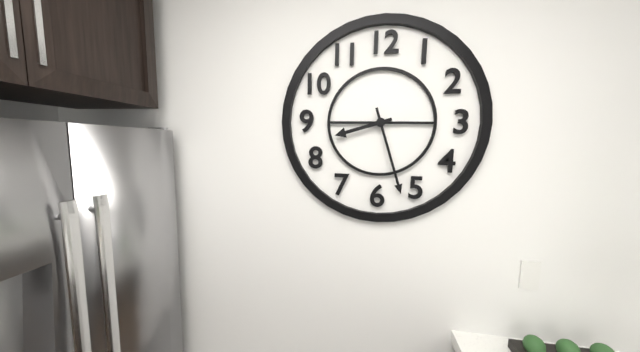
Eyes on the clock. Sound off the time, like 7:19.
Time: 8:27
